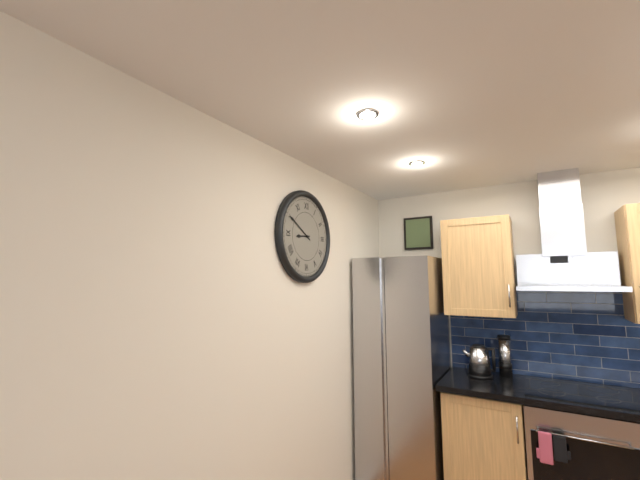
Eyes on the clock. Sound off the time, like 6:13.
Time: 8:50
